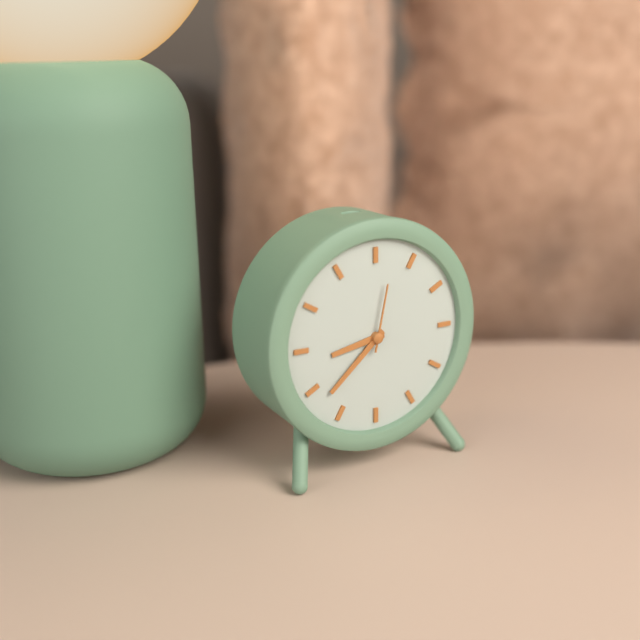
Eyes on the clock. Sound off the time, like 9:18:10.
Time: 8:38:02
